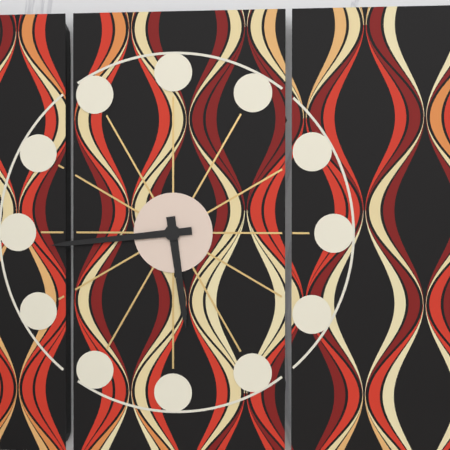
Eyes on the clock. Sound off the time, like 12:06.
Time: 5:44
